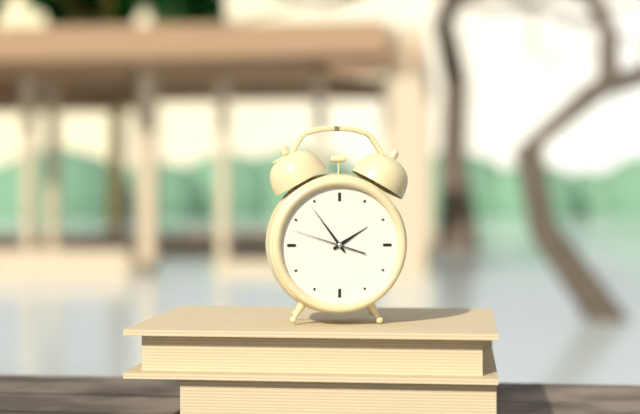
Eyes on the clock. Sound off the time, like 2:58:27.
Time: 1:54:48
